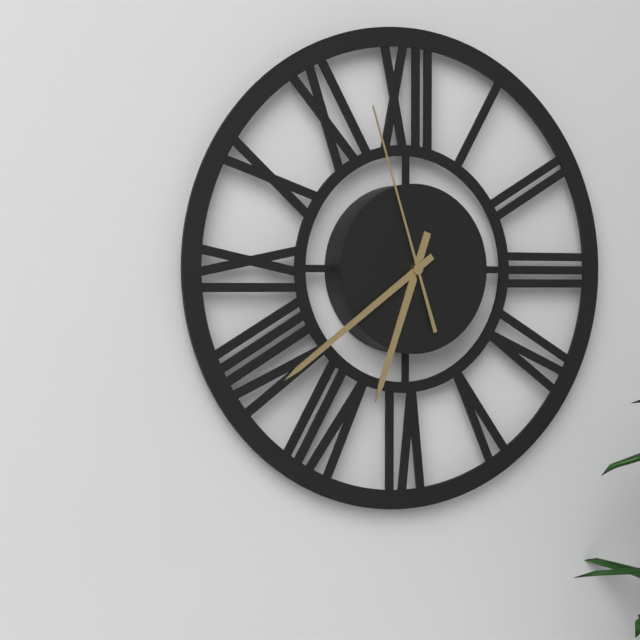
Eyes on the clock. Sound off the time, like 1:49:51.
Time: 6:39:57
